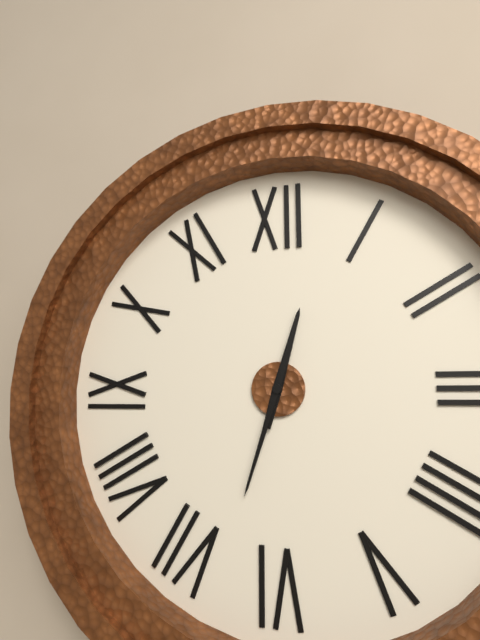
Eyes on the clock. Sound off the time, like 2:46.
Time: 12:33
